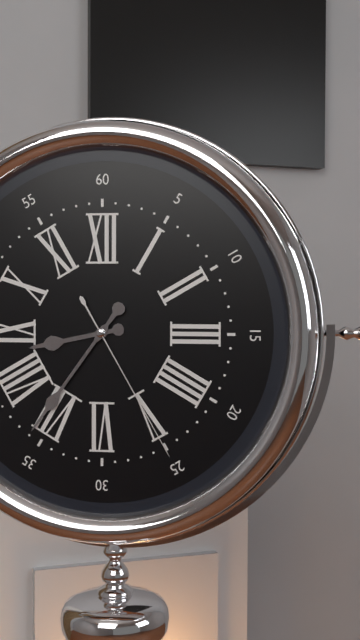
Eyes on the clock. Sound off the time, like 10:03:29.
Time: 8:36:25
